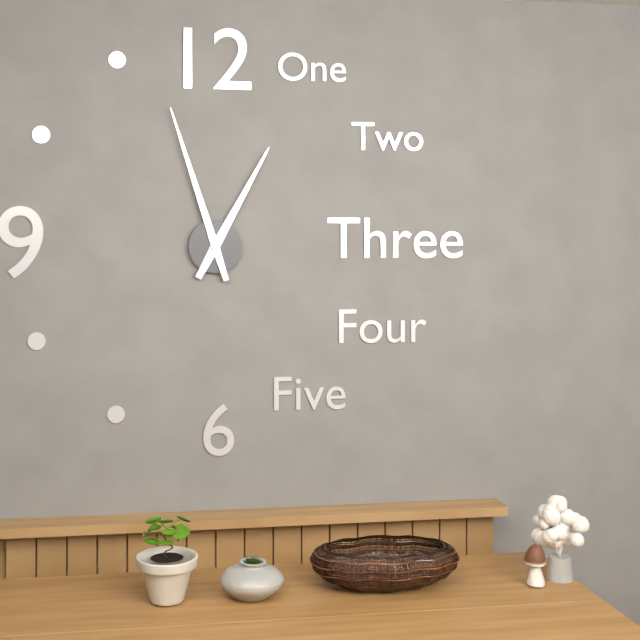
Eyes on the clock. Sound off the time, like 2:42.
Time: 12:57
